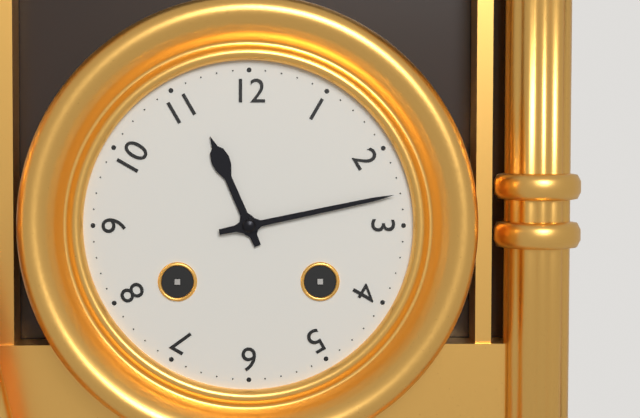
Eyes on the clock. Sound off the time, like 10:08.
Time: 11:13
